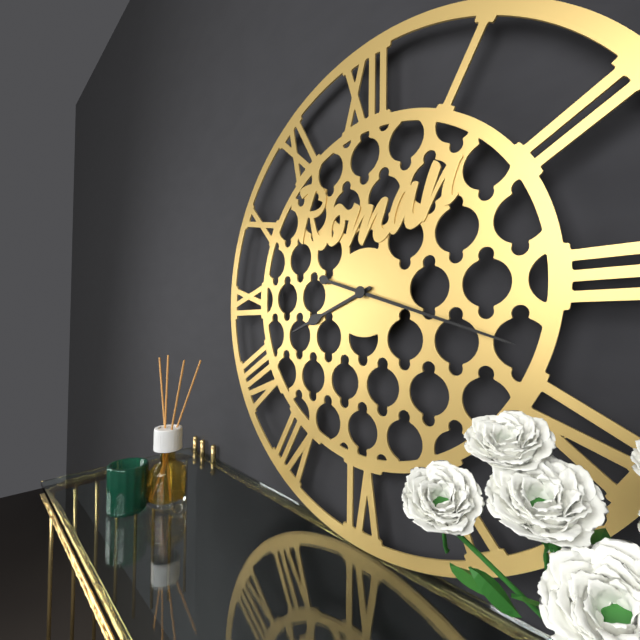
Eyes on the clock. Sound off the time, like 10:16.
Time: 8:18
